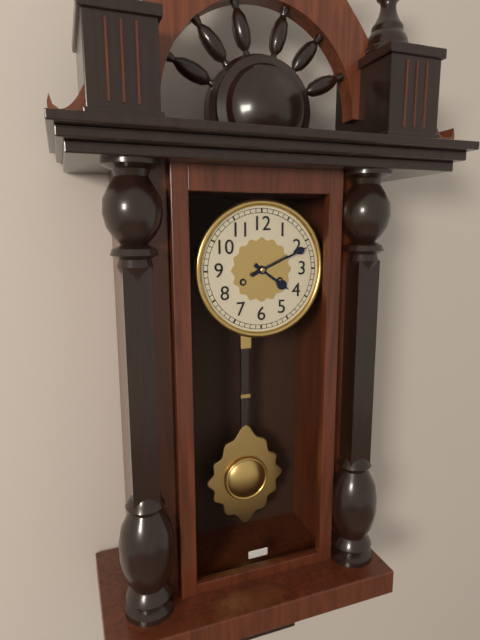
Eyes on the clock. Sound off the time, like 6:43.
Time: 4:11
